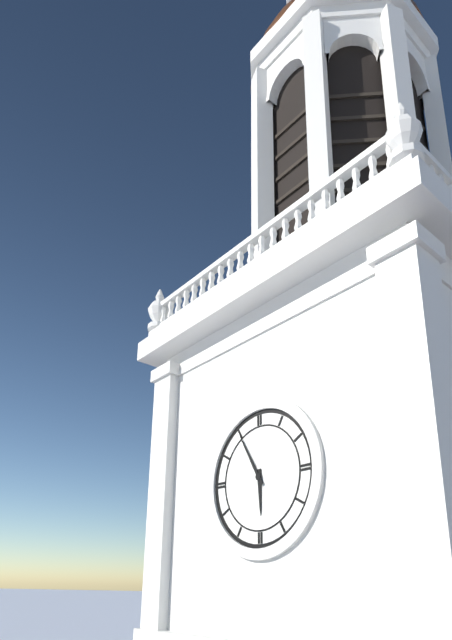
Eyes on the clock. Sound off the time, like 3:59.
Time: 5:55
